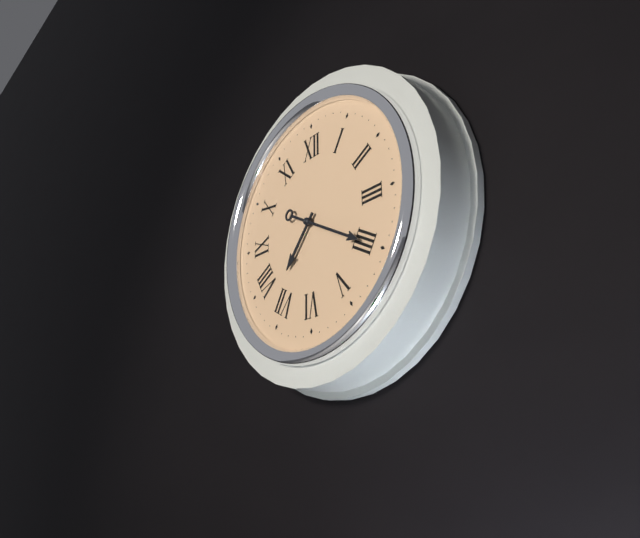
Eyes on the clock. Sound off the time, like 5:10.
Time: 7:20
